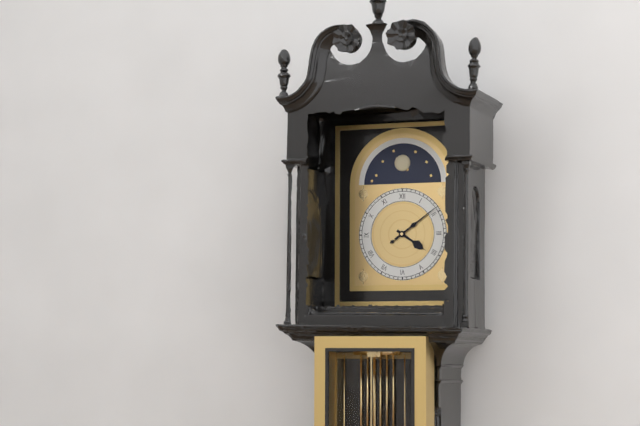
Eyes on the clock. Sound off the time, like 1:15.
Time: 4:09
